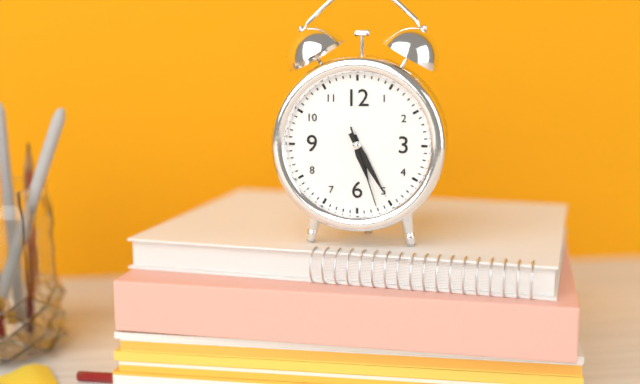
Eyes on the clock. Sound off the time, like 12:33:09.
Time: 5:25:27
